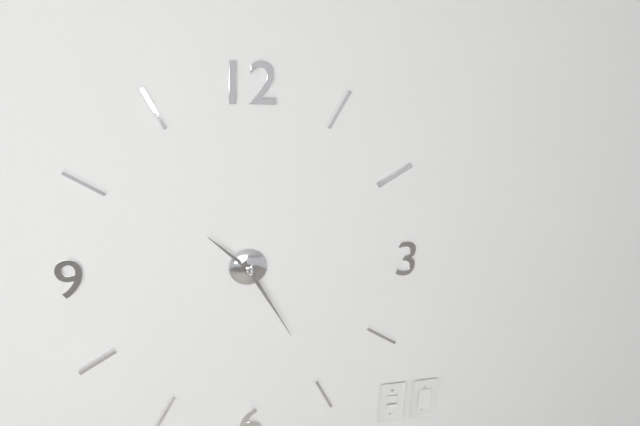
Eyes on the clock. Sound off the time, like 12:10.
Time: 10:25
